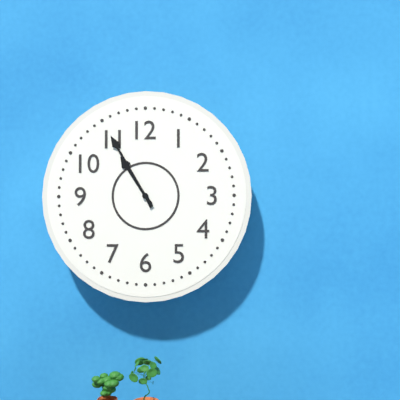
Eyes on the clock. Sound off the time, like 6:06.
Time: 10:55
